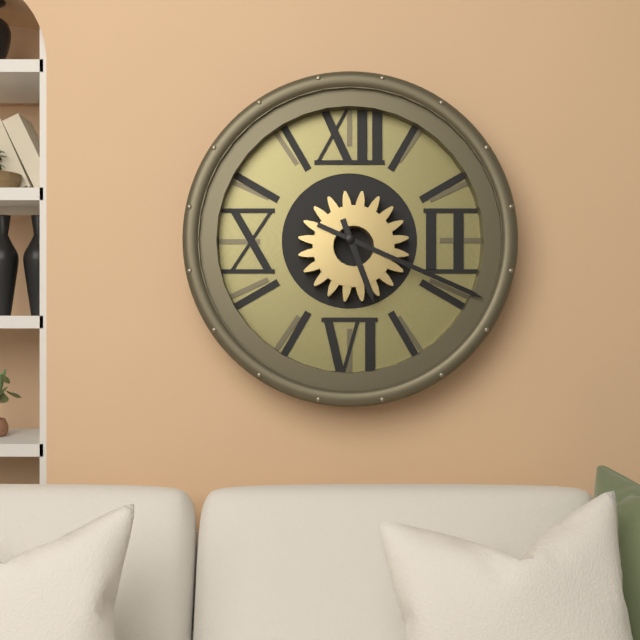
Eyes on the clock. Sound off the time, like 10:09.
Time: 5:19
